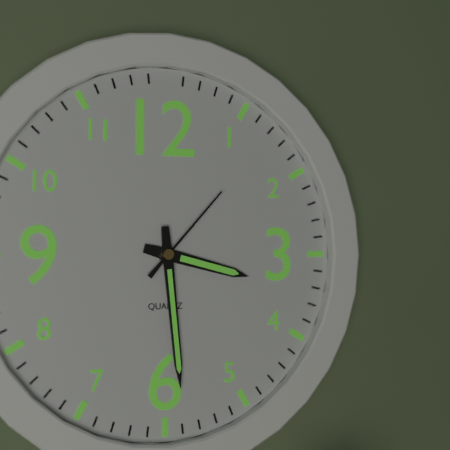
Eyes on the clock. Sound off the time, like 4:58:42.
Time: 3:29:07
